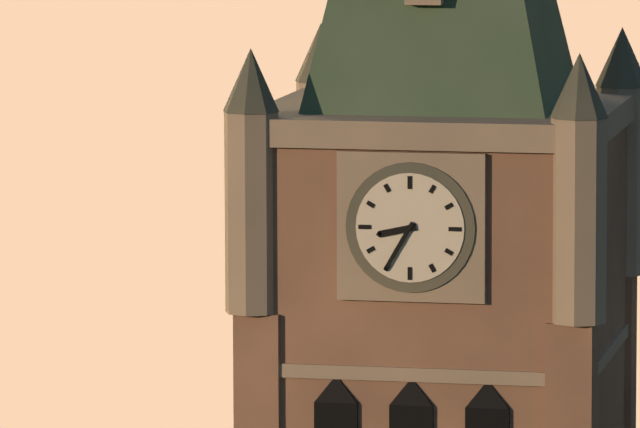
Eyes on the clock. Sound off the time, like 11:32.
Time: 8:35
